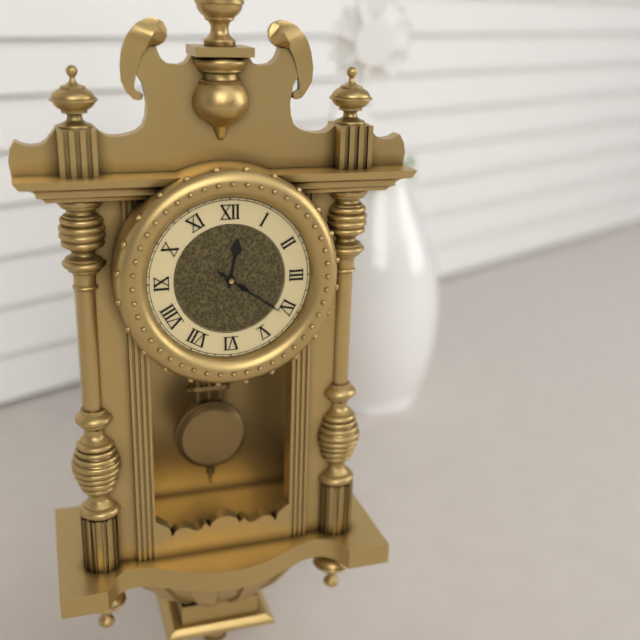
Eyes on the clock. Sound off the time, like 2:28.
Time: 12:21
